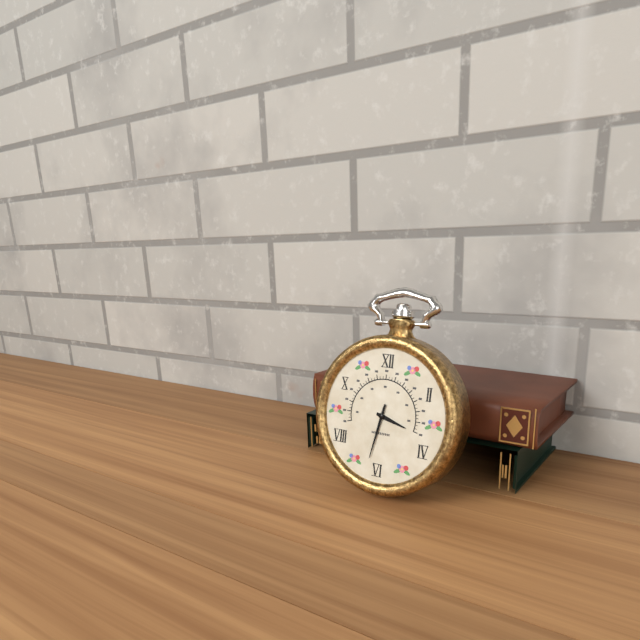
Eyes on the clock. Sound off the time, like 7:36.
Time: 3:32
